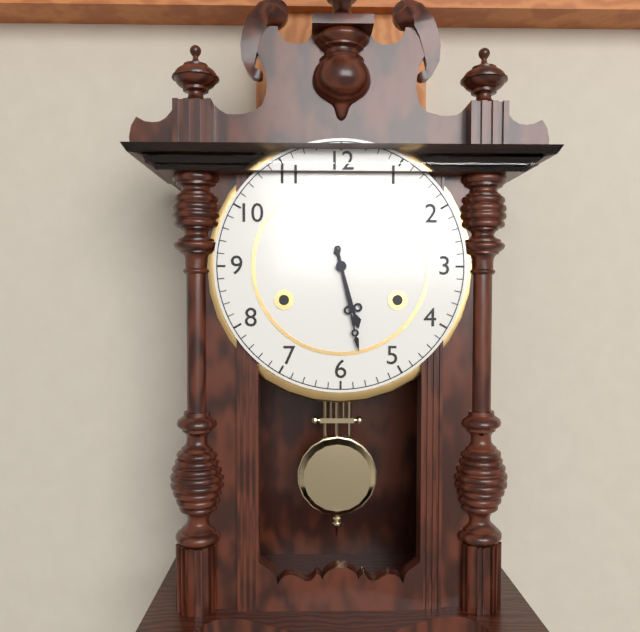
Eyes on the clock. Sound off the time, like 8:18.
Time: 5:28
